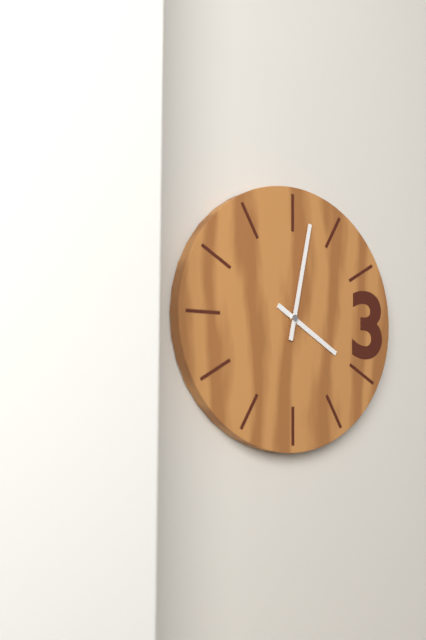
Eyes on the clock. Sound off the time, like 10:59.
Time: 4:02
